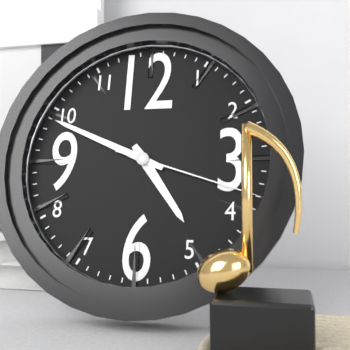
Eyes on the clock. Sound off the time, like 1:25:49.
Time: 4:49:18
